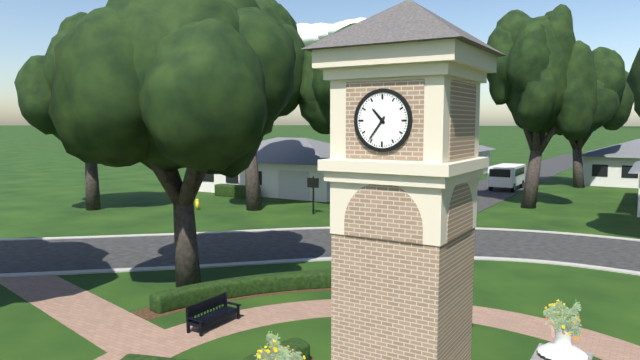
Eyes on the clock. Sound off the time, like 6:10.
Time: 10:36
